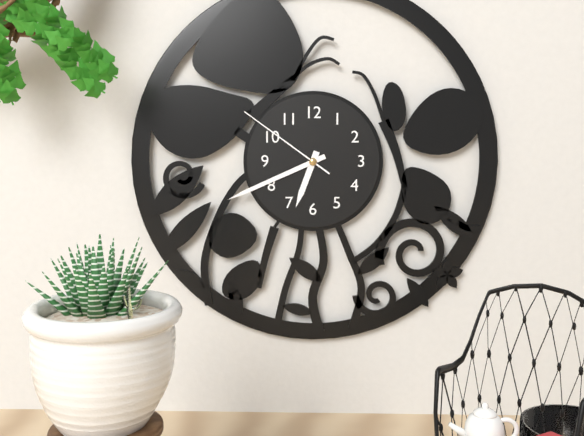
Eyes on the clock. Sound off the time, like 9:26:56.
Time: 6:41:51
